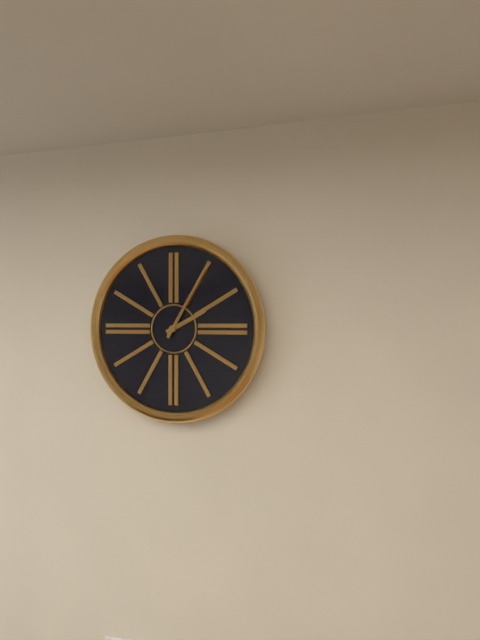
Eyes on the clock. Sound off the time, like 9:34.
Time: 2:05
